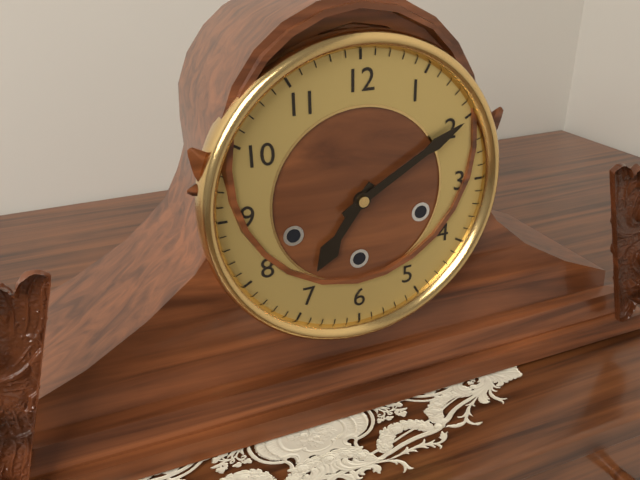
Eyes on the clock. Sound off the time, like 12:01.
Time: 7:10
